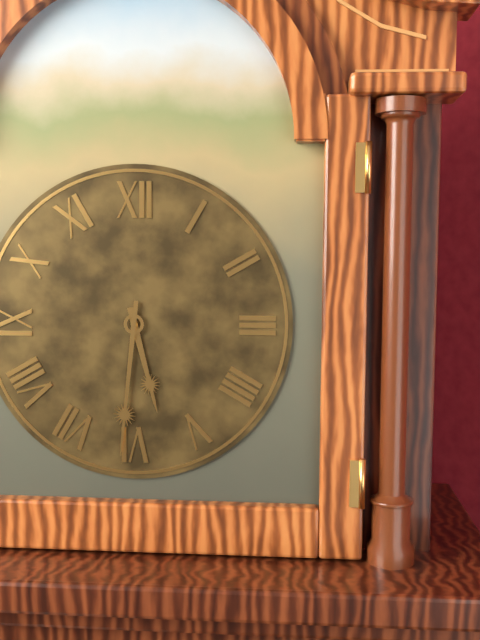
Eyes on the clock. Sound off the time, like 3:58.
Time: 5:31
